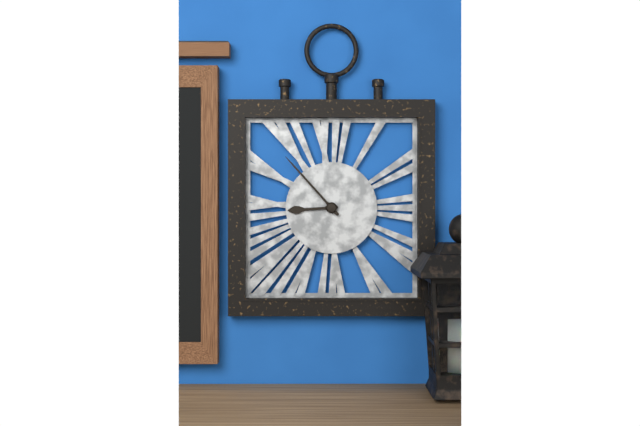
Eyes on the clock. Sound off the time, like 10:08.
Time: 8:53
